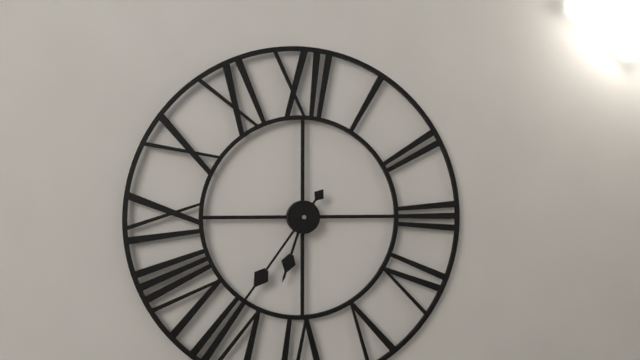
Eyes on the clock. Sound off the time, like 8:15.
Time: 6:36
